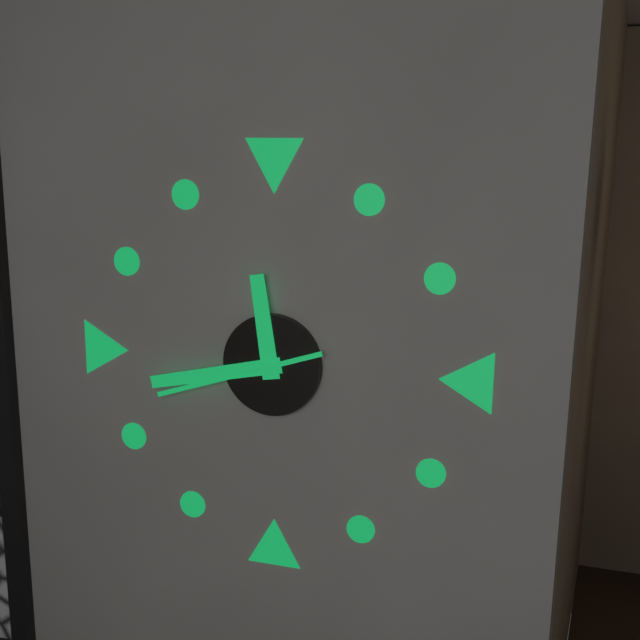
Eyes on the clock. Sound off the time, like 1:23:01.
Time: 11:43:42
